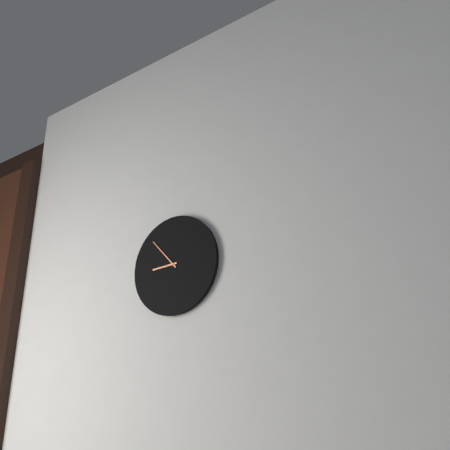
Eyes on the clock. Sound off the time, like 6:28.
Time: 8:53
